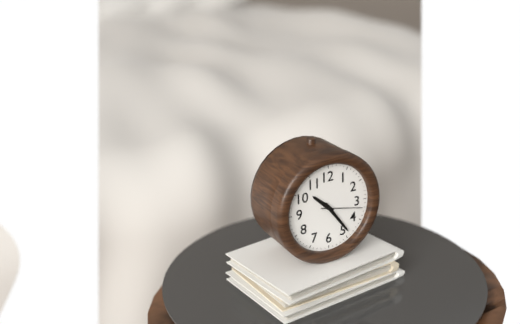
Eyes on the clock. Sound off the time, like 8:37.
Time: 10:24
